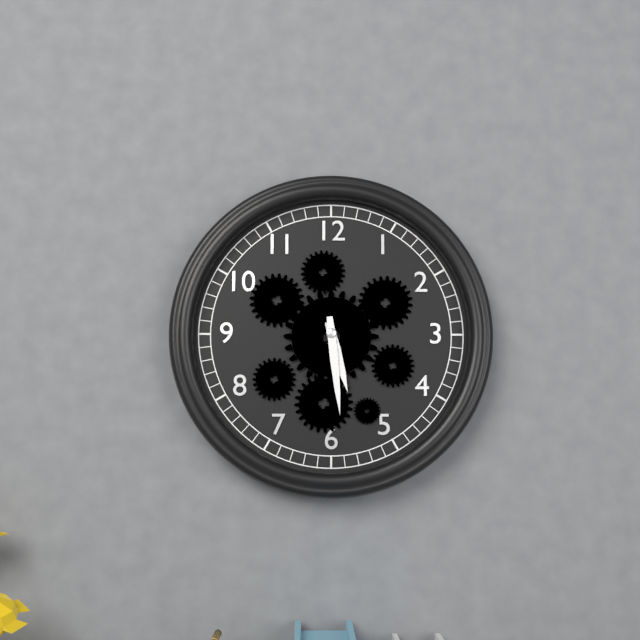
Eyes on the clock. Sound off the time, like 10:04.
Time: 5:29
